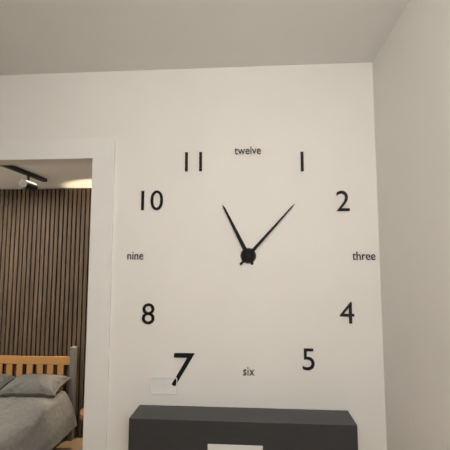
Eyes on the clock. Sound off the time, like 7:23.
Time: 11:07
